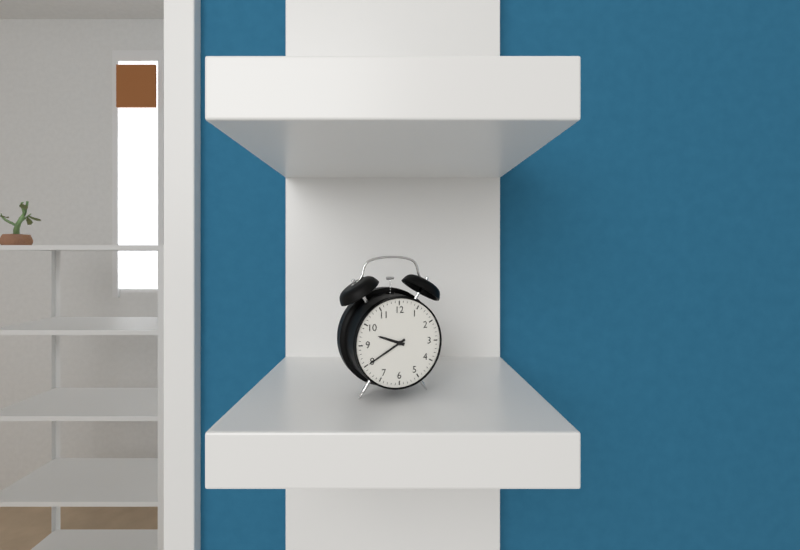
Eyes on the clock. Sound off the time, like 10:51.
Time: 9:40
